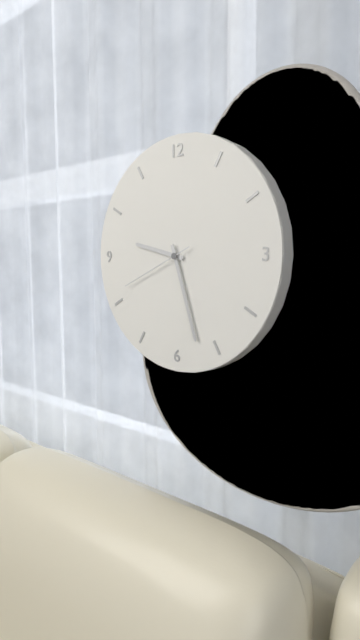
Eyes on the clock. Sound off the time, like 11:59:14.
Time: 9:27:41
